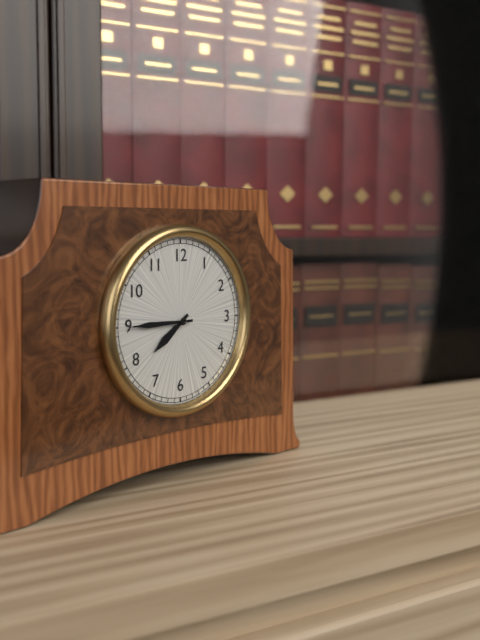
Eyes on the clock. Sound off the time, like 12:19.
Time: 7:45
